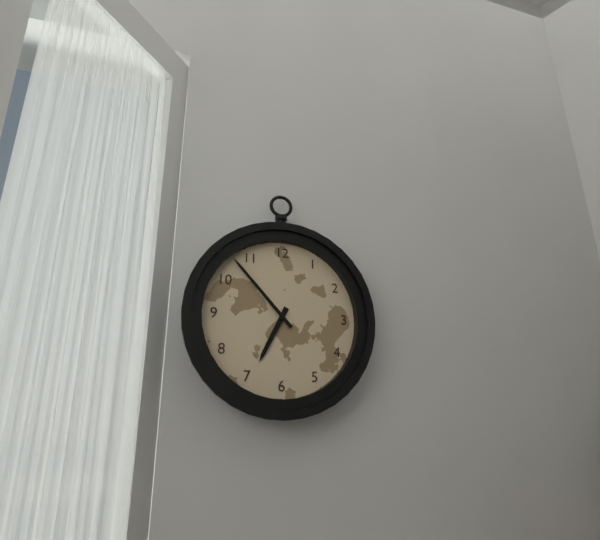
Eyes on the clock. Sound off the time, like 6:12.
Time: 6:53
